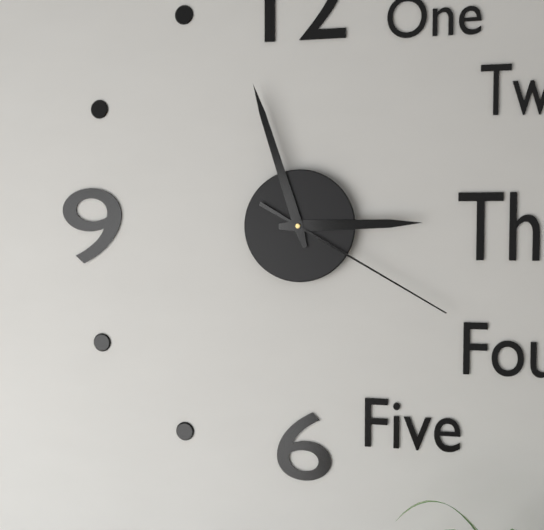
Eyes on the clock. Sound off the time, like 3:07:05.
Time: 2:57:20
